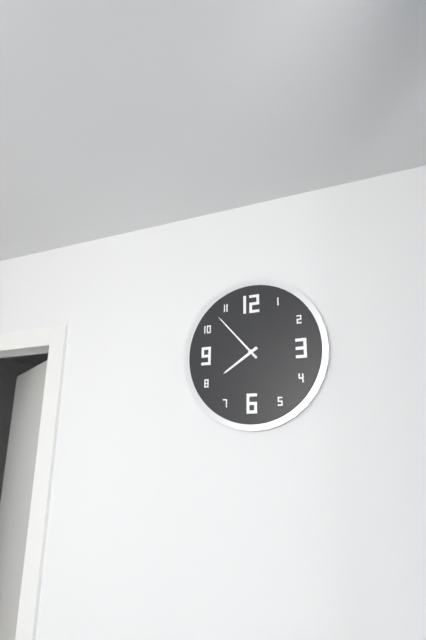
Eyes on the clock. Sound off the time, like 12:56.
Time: 7:53
